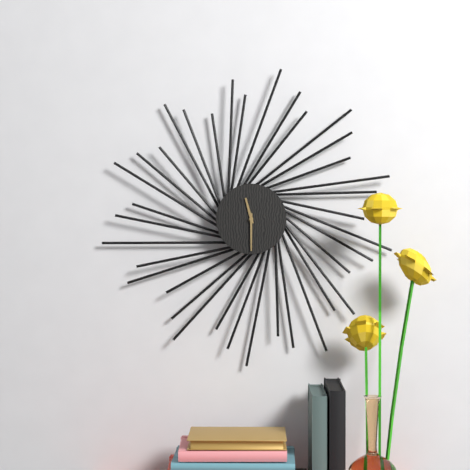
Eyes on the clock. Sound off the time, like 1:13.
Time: 11:30
